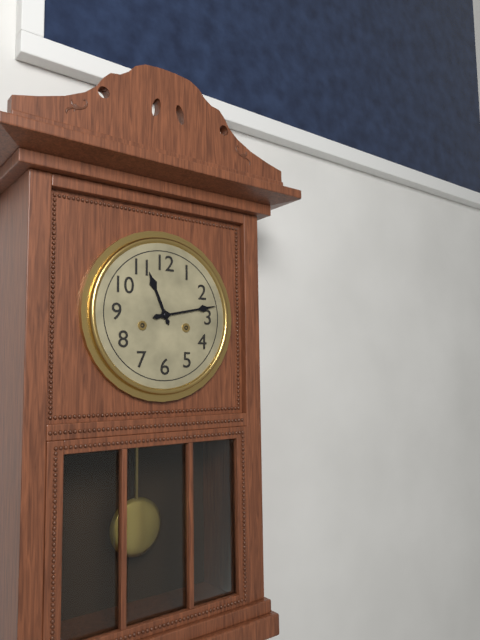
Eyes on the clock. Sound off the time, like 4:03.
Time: 11:13
